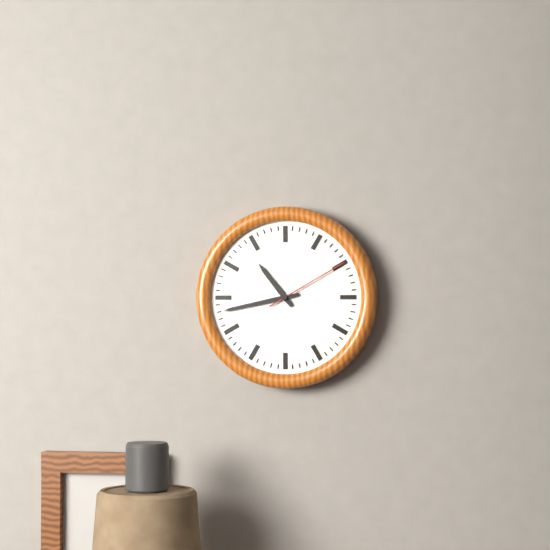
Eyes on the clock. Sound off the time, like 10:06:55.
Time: 10:43:10
